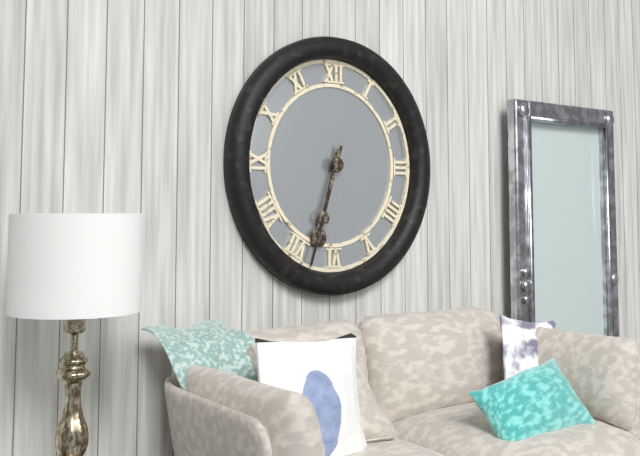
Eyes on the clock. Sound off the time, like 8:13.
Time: 6:33
